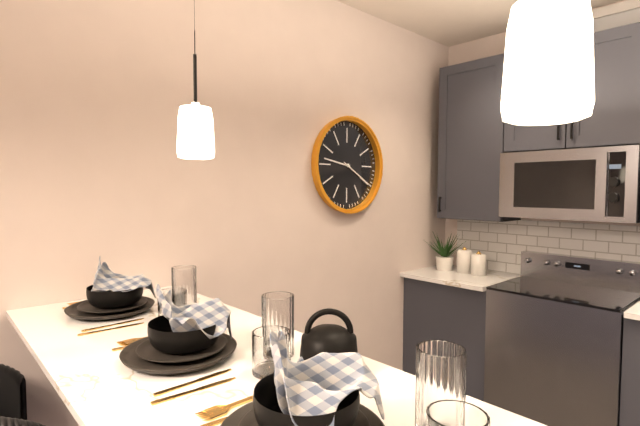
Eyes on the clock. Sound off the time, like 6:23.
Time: 9:20
